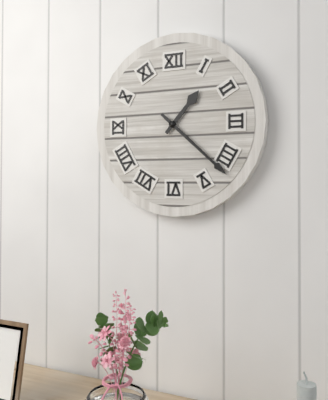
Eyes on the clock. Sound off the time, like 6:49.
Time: 1:22
